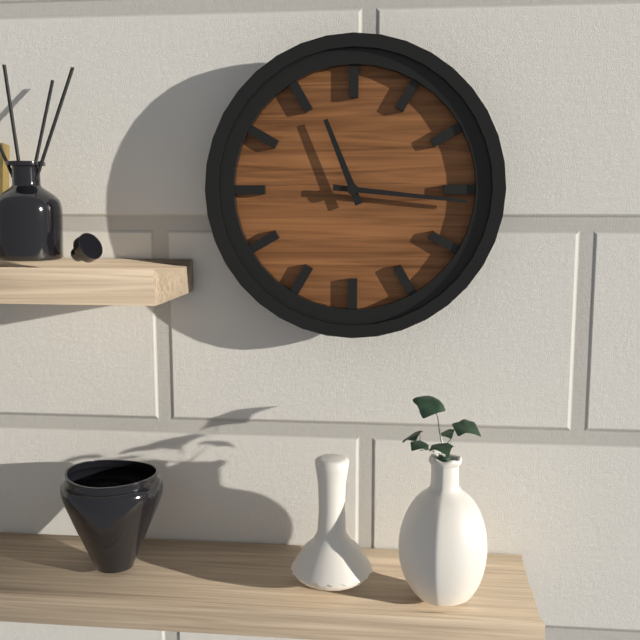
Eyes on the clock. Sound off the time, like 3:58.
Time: 11:16
